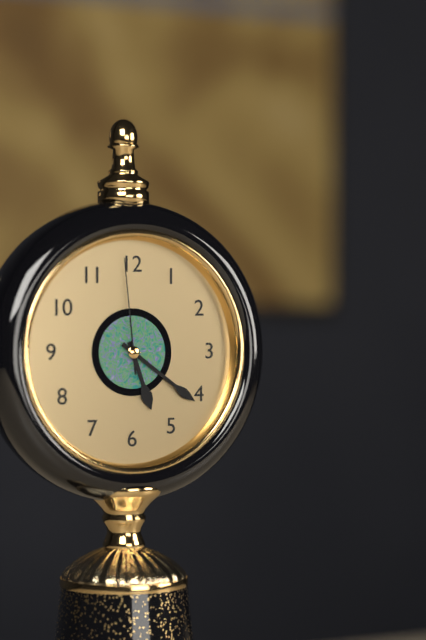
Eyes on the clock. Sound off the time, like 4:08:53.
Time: 5:21:59
